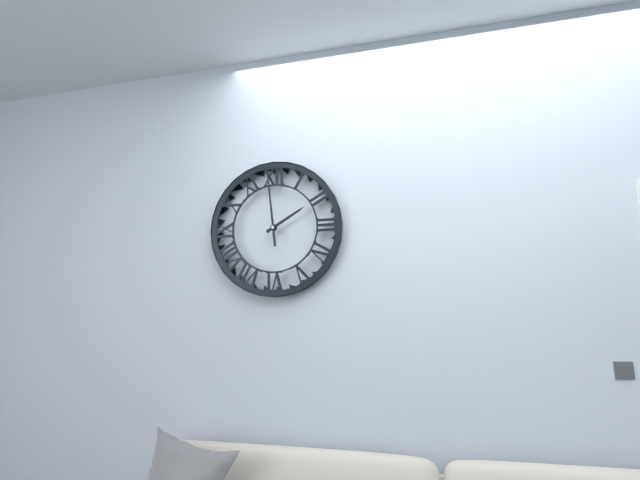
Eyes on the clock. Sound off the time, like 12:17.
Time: 1:59
